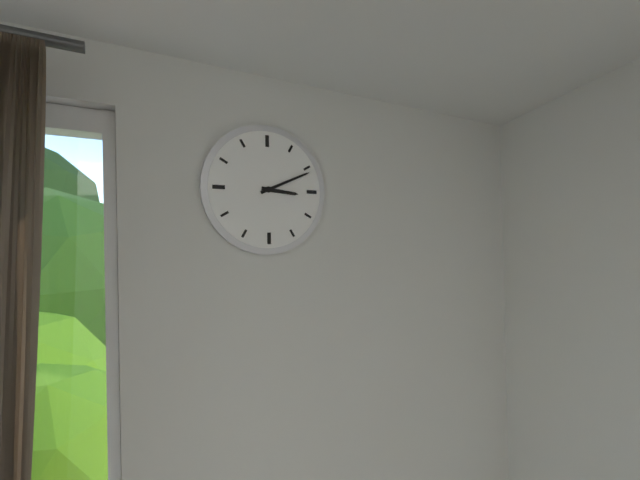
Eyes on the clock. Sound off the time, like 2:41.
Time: 3:11
